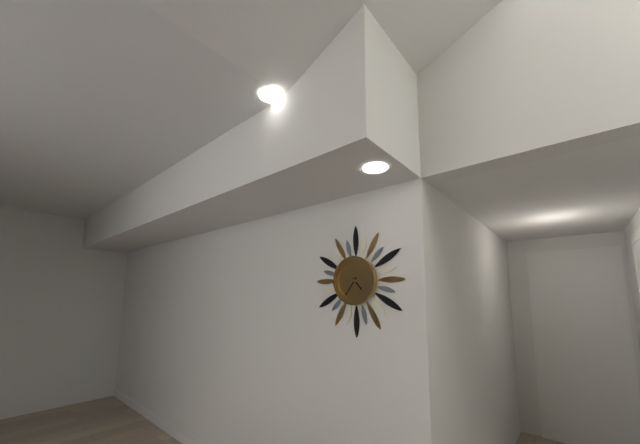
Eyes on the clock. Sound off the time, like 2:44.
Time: 4:36
